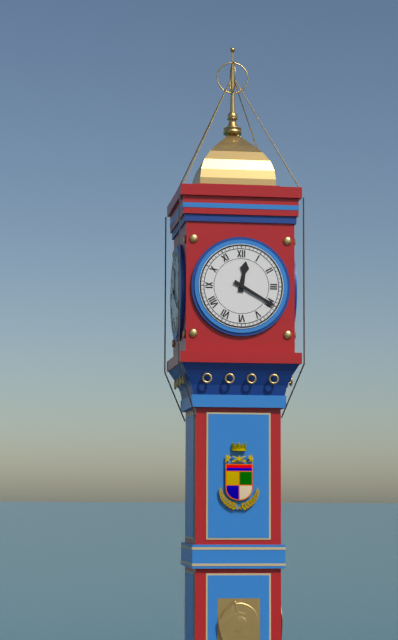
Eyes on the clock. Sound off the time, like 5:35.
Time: 12:20
